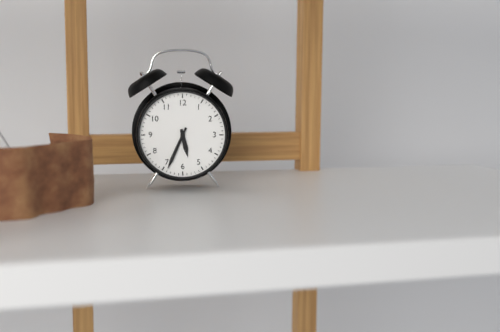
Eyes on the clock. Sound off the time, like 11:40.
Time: 5:34
